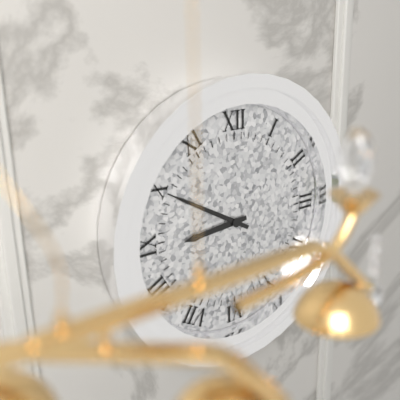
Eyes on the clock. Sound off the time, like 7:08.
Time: 8:50
